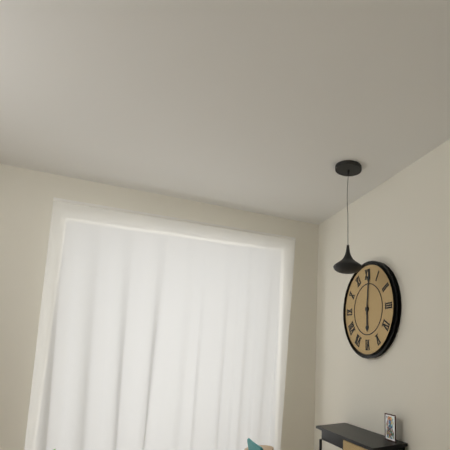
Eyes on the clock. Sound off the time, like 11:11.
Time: 6:01
